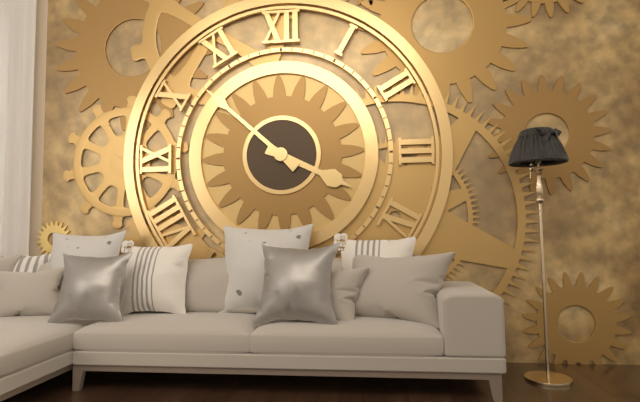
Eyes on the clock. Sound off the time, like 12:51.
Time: 3:52
